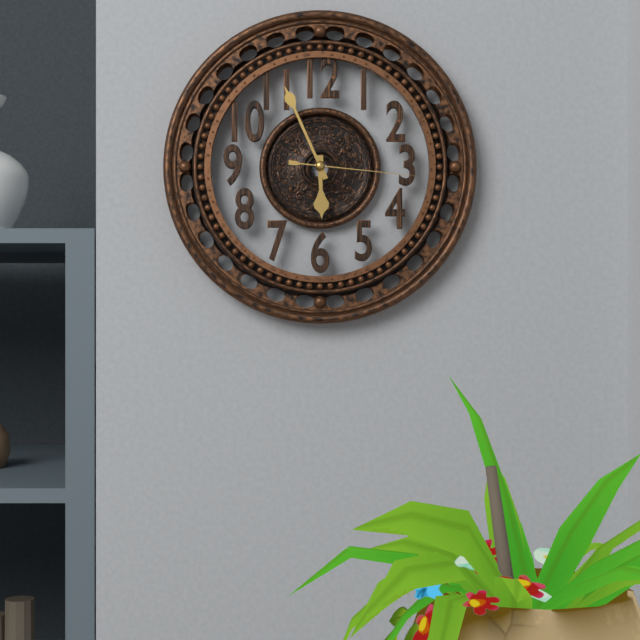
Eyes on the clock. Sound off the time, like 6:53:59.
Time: 5:56:16
